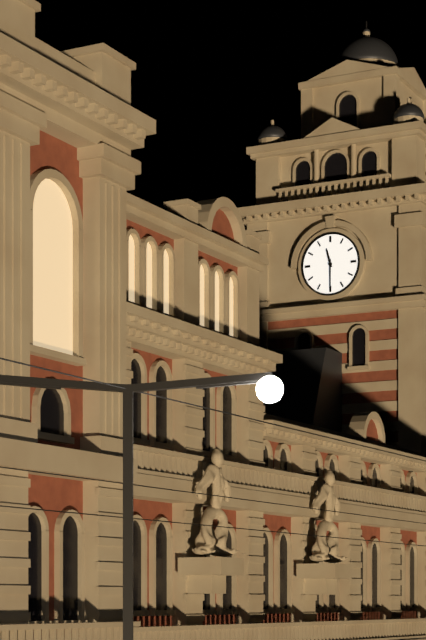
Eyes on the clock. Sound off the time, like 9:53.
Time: 11:30
